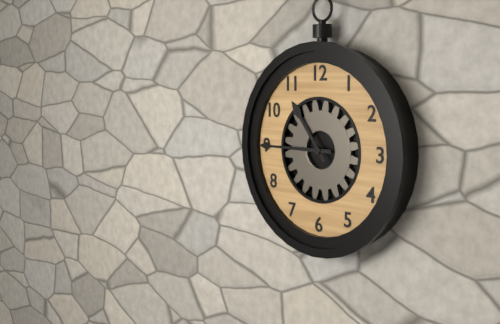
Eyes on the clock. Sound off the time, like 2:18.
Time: 10:45
